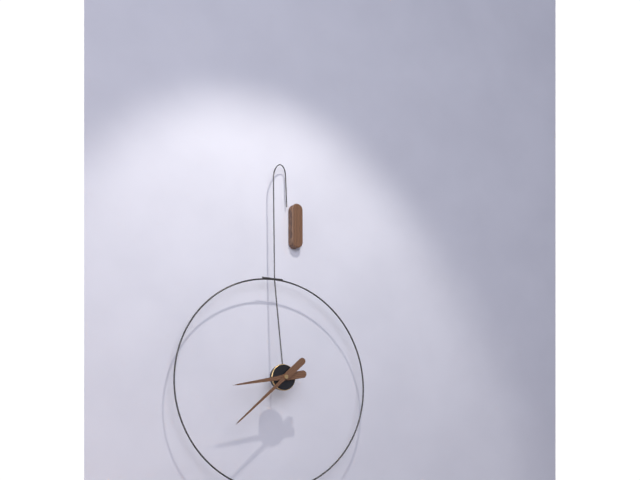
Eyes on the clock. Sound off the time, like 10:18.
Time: 8:38
